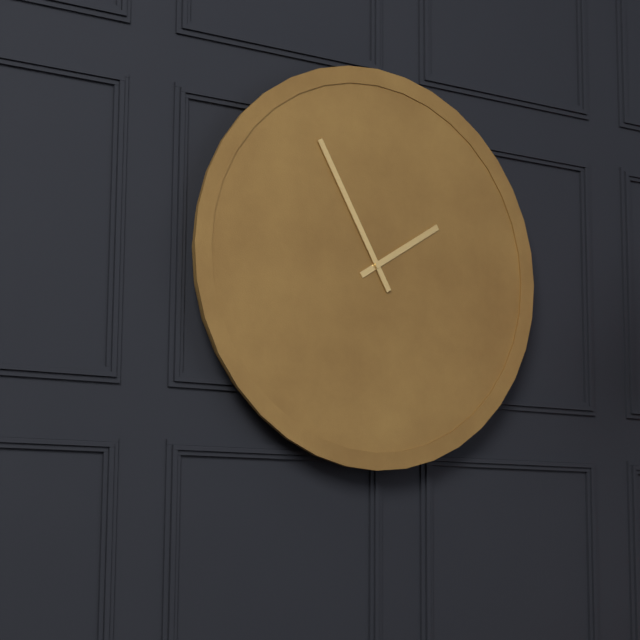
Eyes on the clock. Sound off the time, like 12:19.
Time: 1:55
